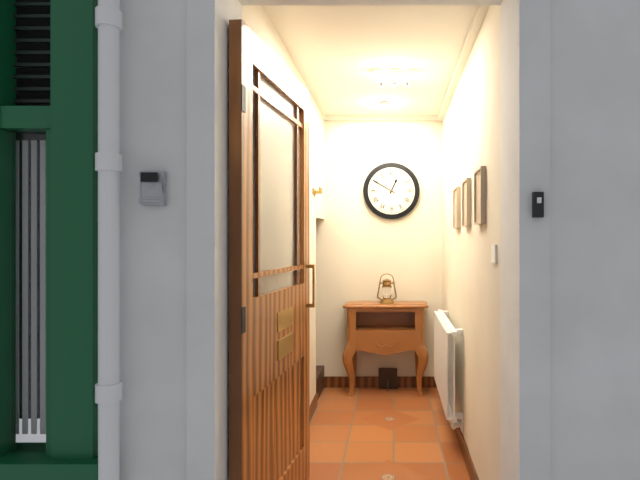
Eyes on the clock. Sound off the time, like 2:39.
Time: 12:50
